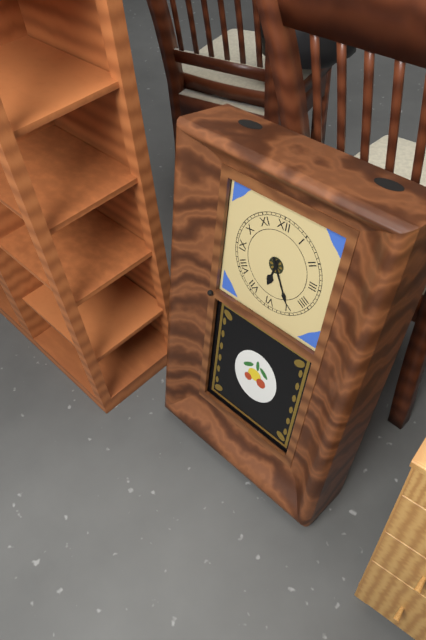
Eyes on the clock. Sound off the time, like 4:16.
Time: 6:25
